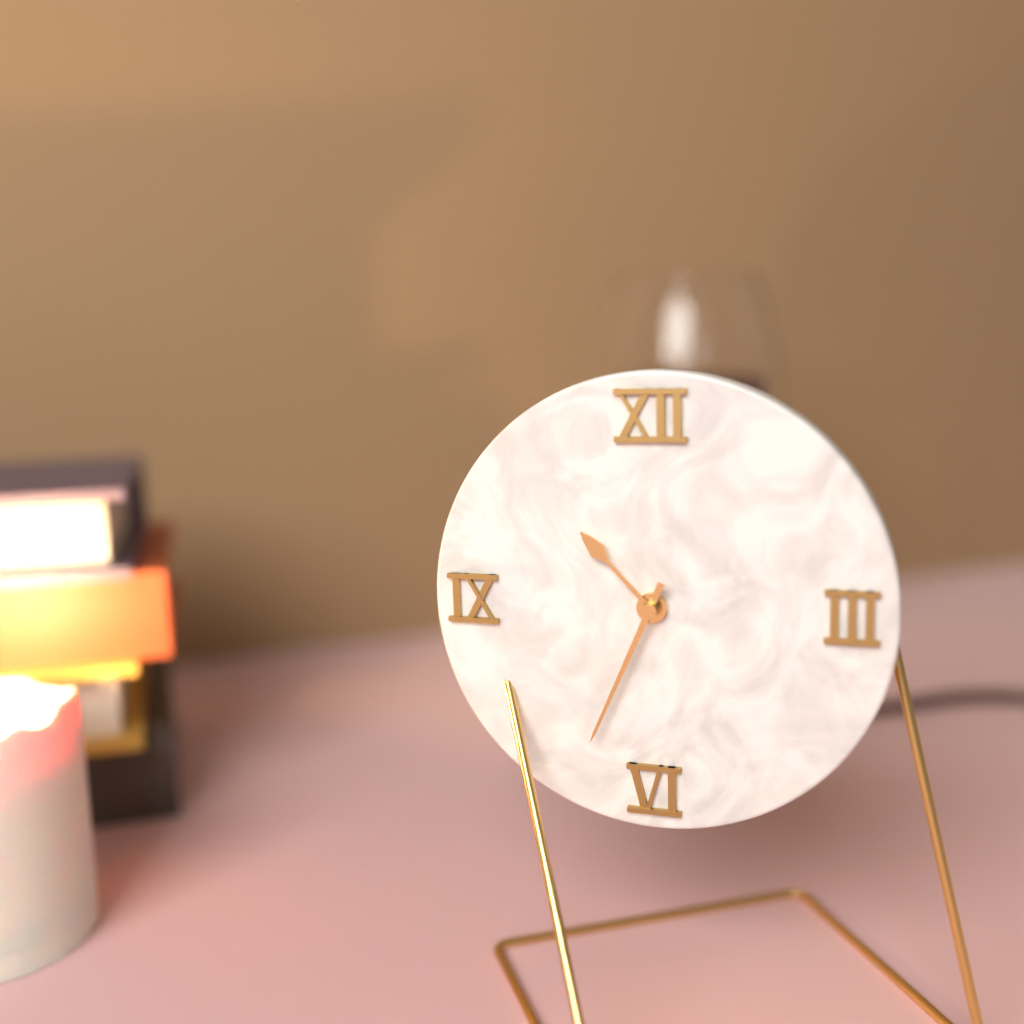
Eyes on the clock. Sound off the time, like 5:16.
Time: 10:34
